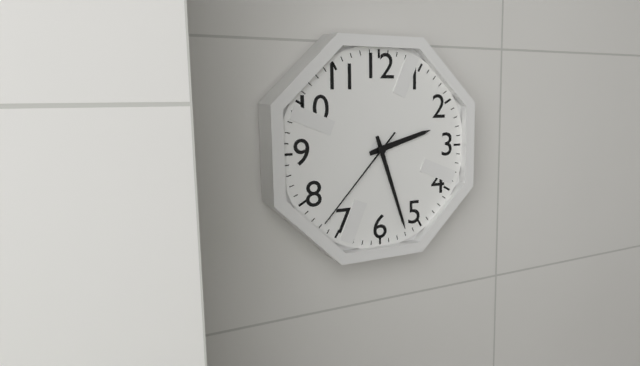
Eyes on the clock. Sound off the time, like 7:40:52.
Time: 2:27:37
